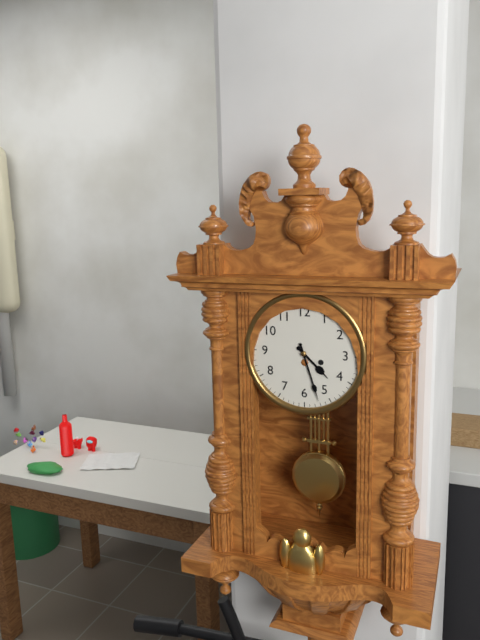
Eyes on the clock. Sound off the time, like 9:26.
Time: 4:27
